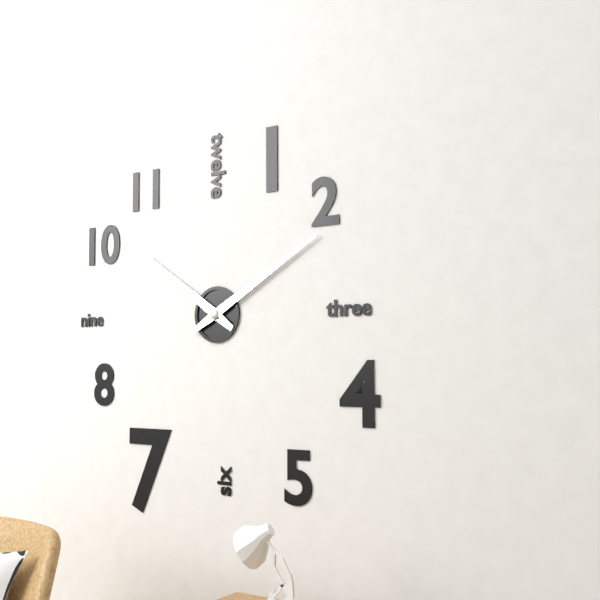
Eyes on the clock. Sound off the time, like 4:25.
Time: 10:10
